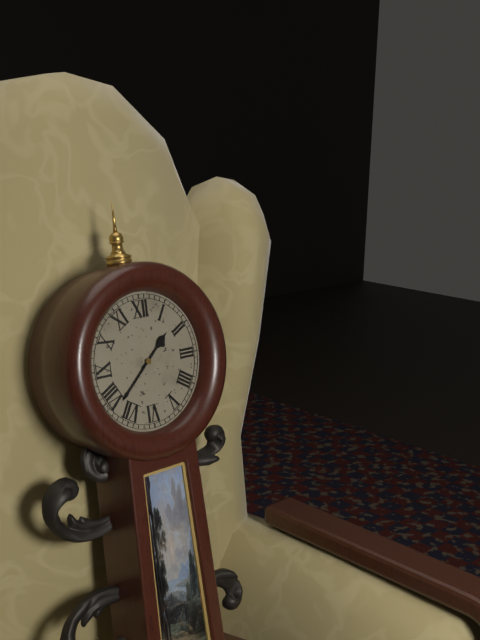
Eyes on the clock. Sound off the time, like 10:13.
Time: 1:38
